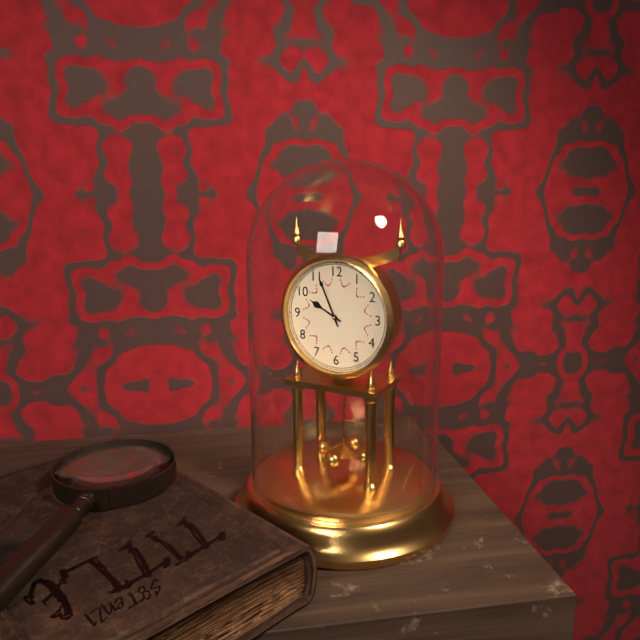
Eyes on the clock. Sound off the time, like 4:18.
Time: 9:56
